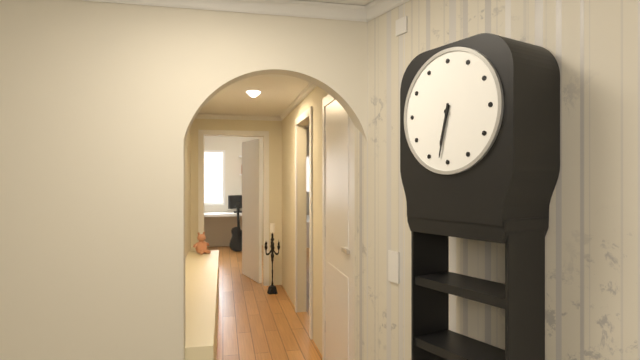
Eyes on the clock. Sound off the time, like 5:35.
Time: 6:32
